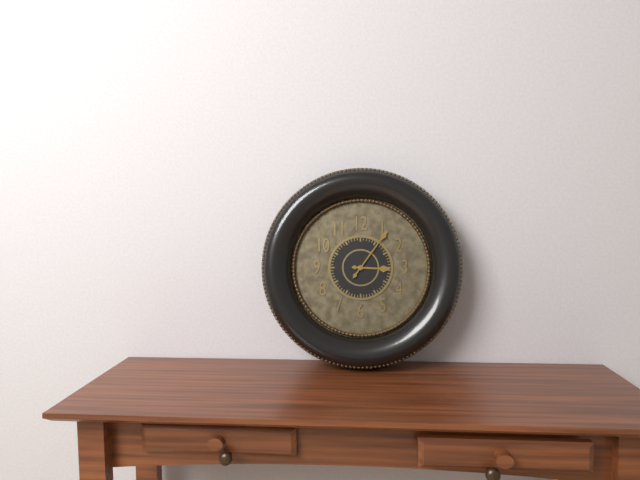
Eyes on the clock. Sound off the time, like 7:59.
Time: 3:06
